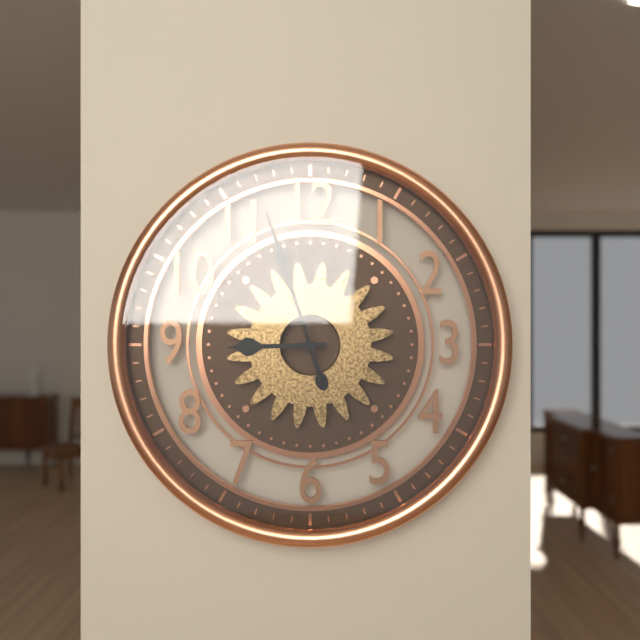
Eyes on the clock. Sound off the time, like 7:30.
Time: 8:57
